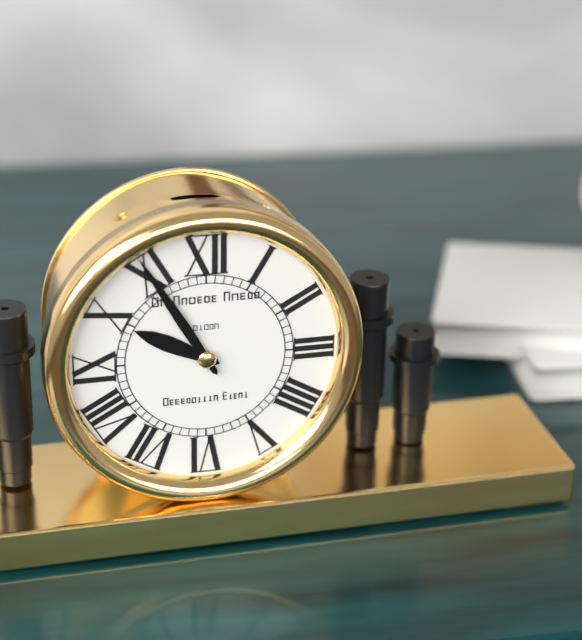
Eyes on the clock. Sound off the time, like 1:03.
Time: 9:55
